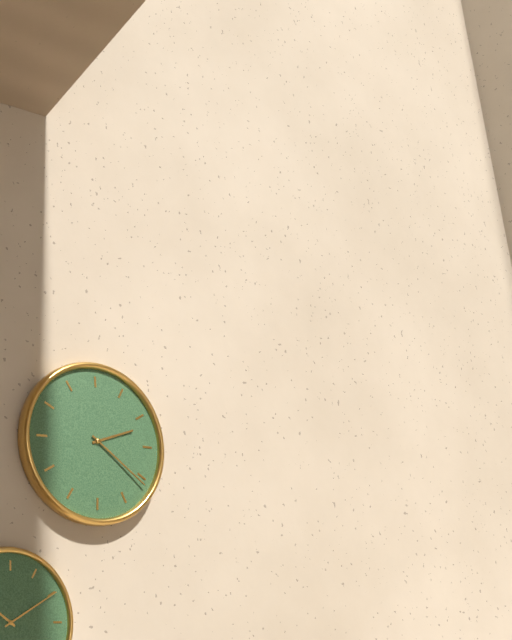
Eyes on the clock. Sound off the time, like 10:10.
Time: 2:21
